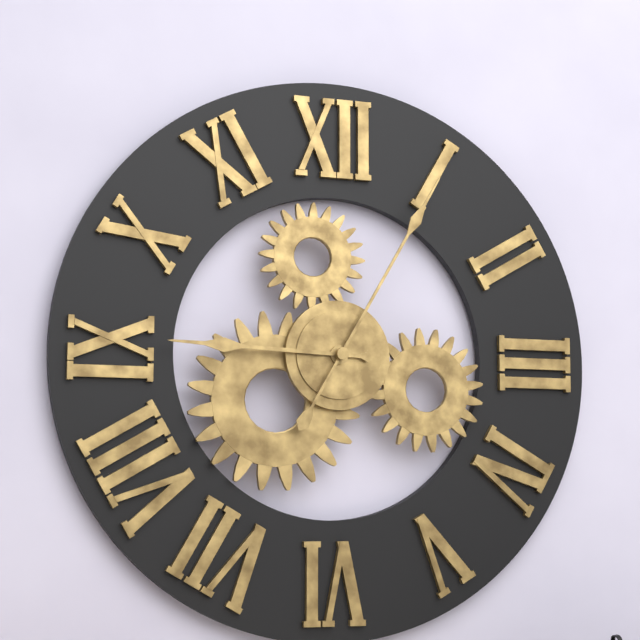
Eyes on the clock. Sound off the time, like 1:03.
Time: 9:05
